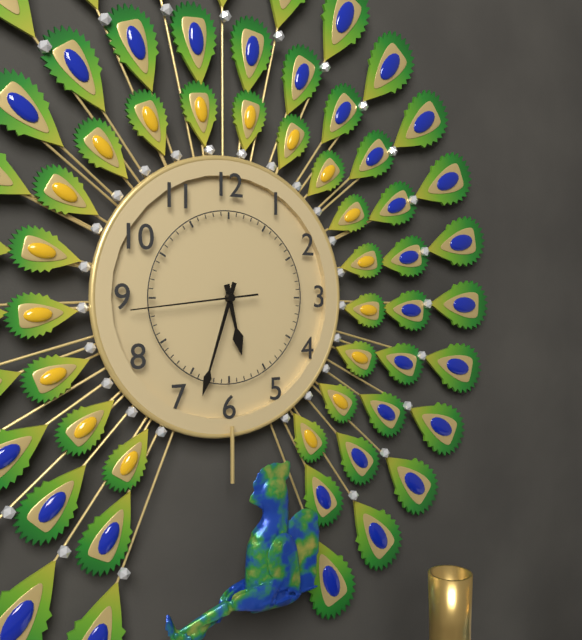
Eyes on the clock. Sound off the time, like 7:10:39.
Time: 5:33:44
